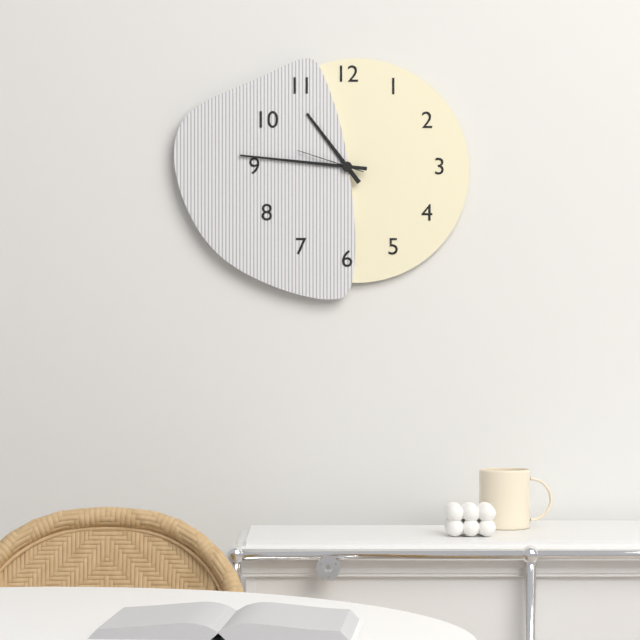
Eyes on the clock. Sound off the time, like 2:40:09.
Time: 10:46:48
